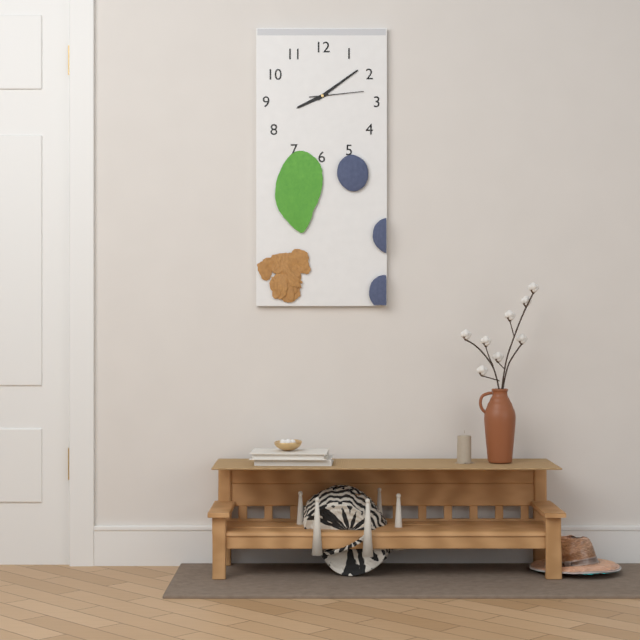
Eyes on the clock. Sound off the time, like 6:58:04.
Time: 8:09:14
